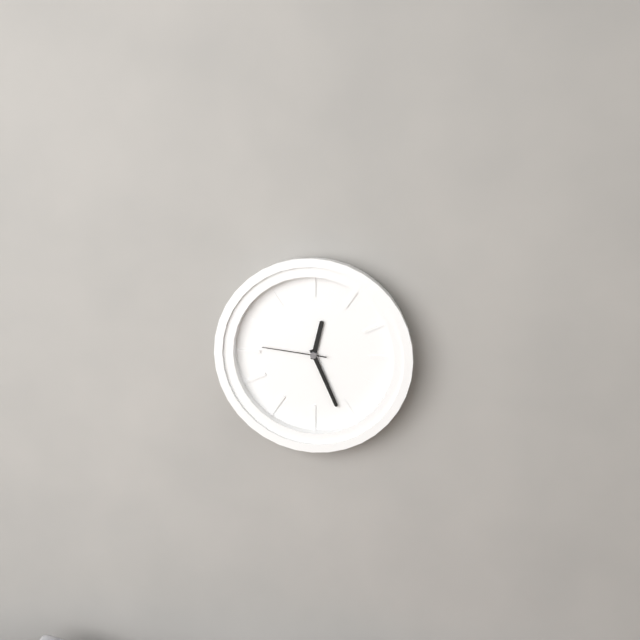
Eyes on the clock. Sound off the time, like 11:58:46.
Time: 12:26:46
